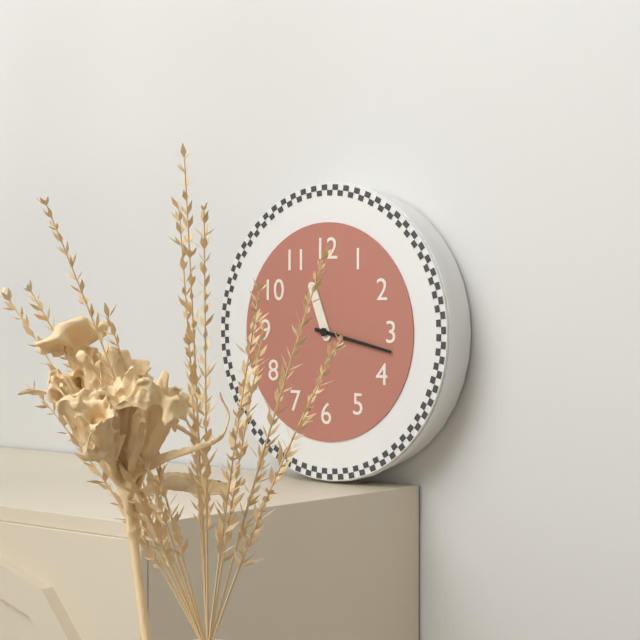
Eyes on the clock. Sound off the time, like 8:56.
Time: 11:17
